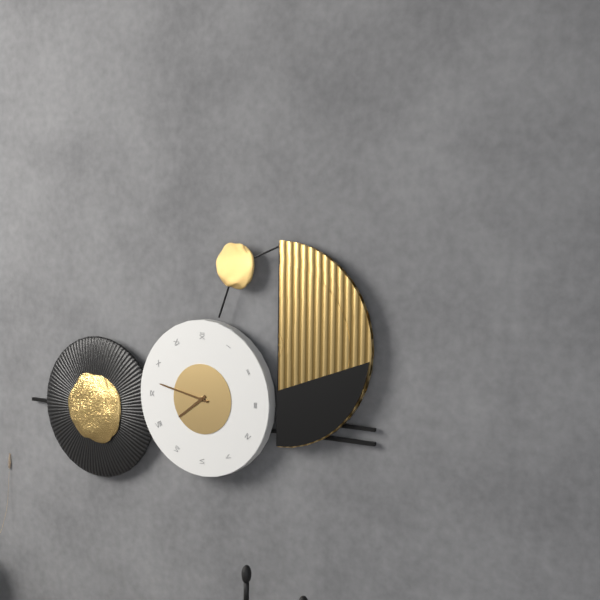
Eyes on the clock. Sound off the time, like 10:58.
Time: 7:47
